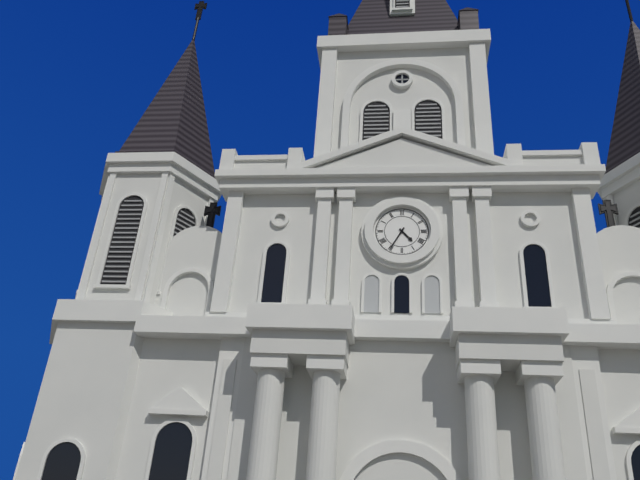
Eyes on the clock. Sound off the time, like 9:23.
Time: 4:35
